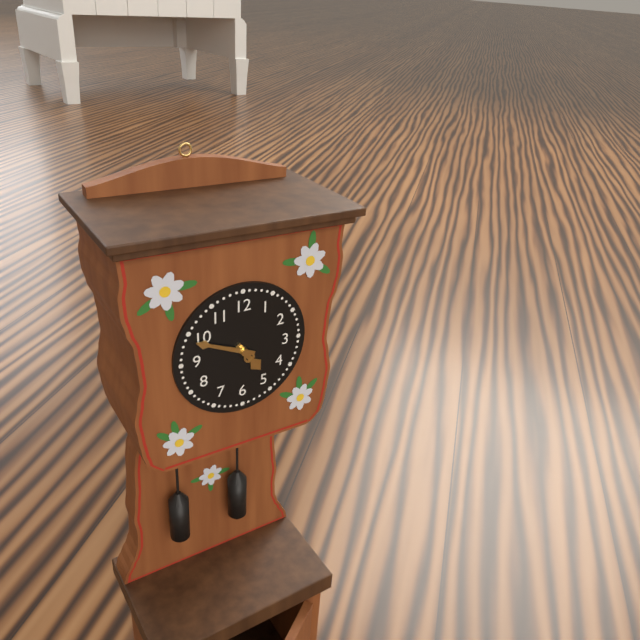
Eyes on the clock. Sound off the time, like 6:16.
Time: 4:49
